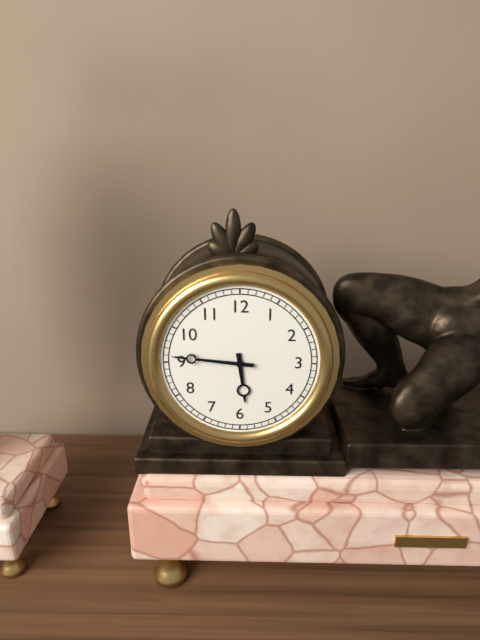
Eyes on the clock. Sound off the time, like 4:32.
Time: 5:46
